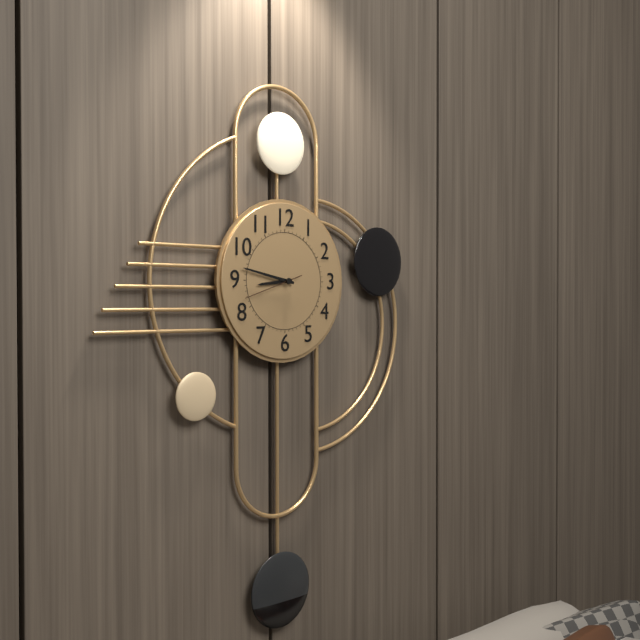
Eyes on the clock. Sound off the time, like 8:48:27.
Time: 8:47:42
